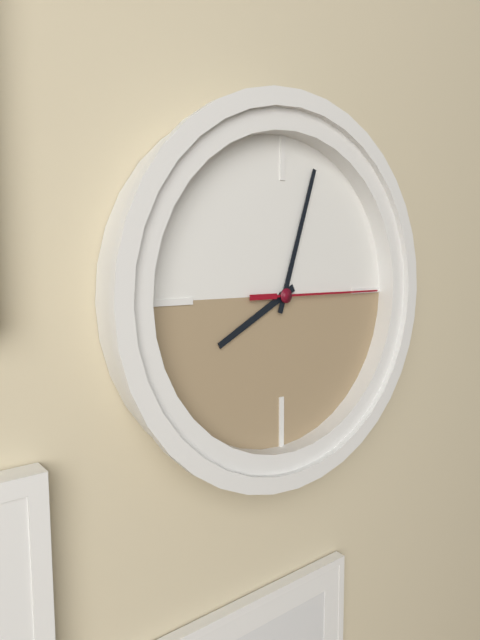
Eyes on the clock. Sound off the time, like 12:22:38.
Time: 8:03:15
